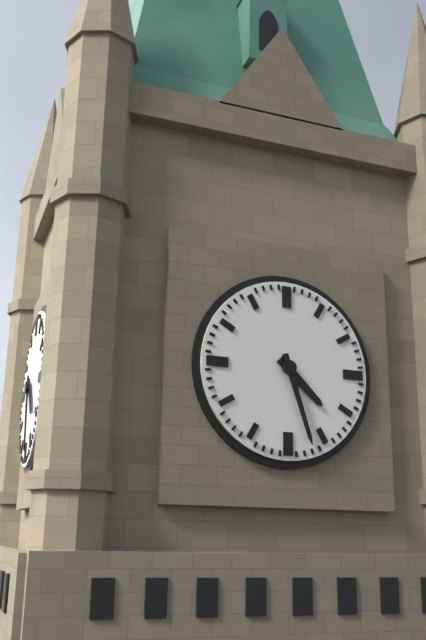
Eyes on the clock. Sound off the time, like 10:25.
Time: 4:27
